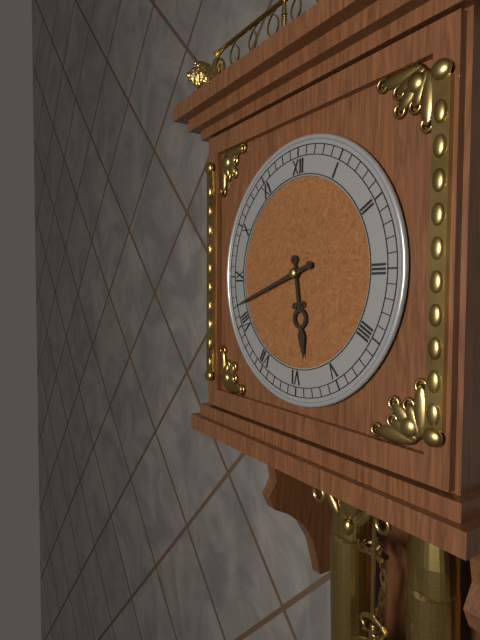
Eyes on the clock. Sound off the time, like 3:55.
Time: 5:42
